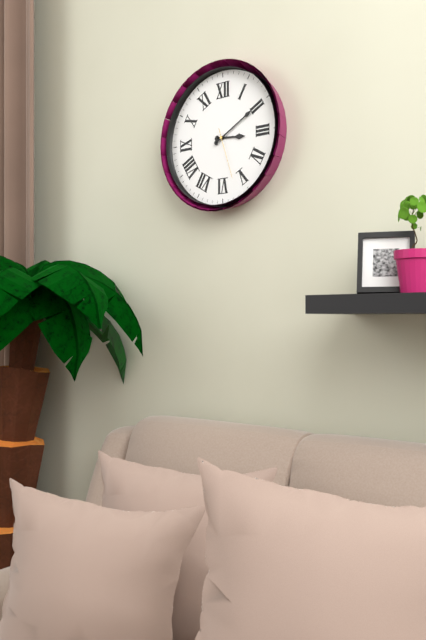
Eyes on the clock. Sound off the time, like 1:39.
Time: 3:10
